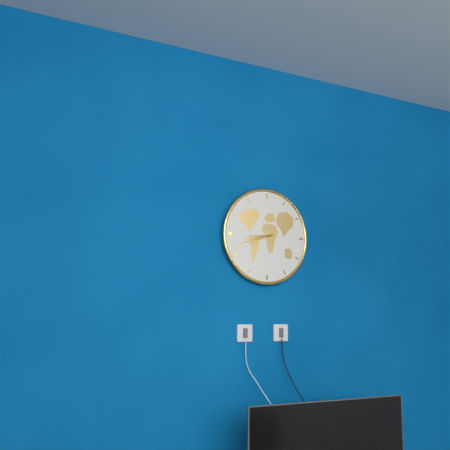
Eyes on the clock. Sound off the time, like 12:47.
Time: 8:42
